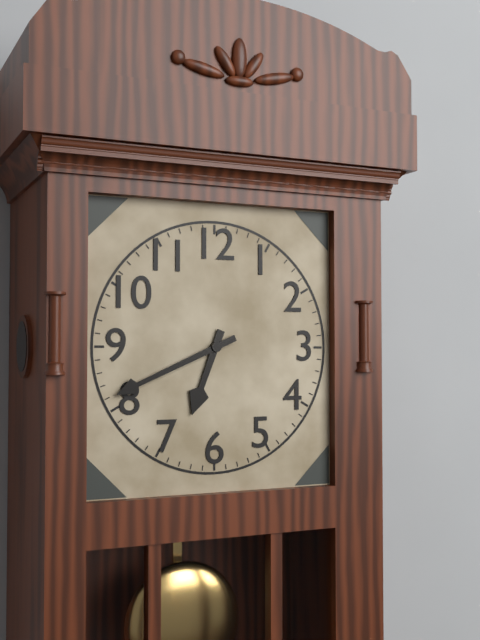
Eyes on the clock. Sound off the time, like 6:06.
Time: 6:41
